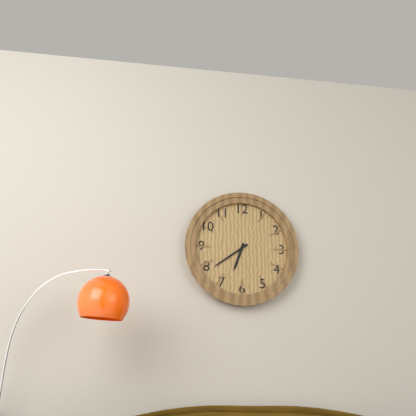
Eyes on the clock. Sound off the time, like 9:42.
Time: 6:39
